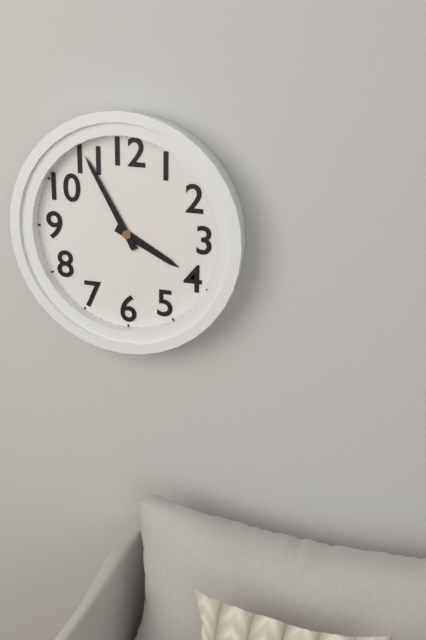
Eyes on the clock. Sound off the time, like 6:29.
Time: 3:55
